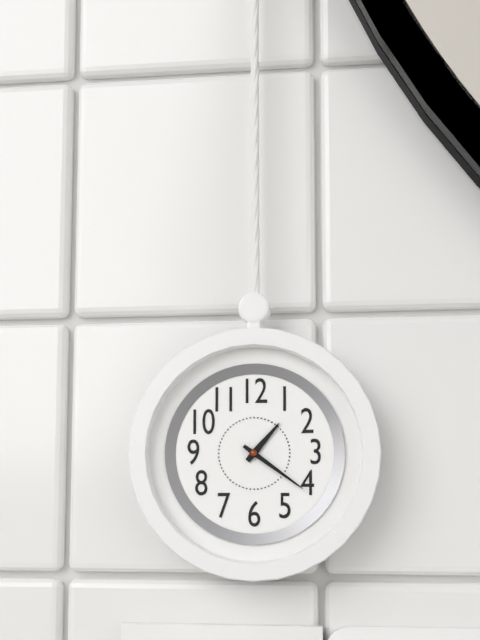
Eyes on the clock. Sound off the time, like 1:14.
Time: 1:21
